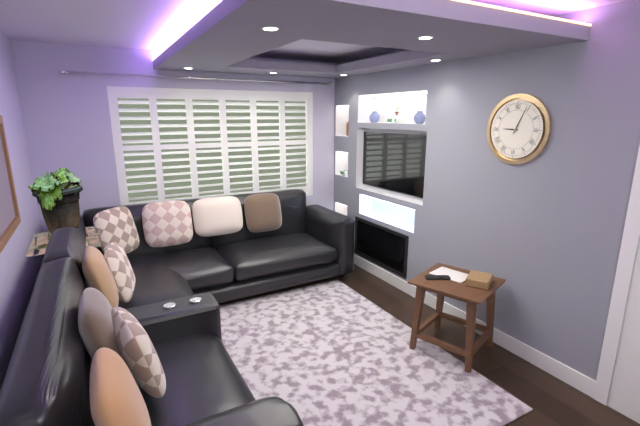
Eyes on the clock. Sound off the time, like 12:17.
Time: 9:04
